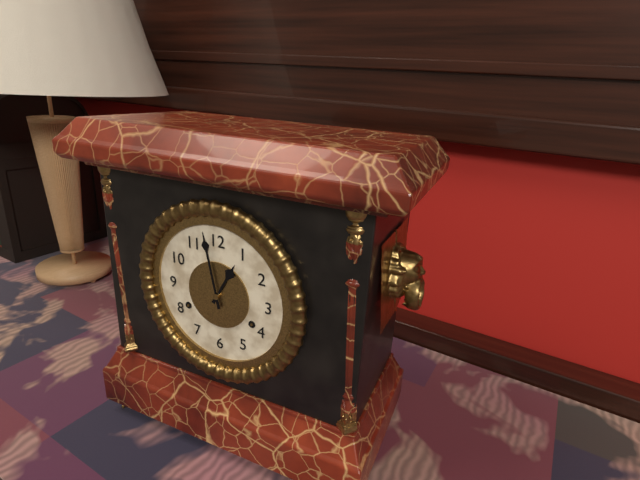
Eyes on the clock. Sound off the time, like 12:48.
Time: 12:58
